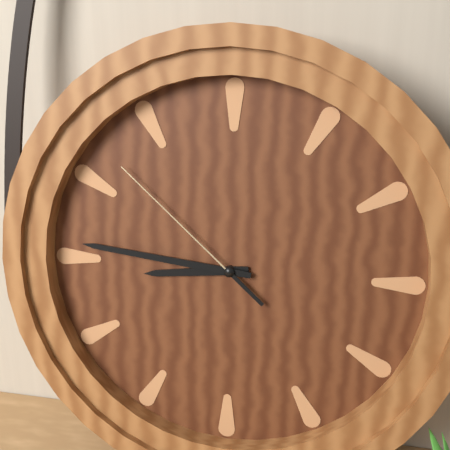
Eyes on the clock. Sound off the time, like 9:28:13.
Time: 8:46:52
